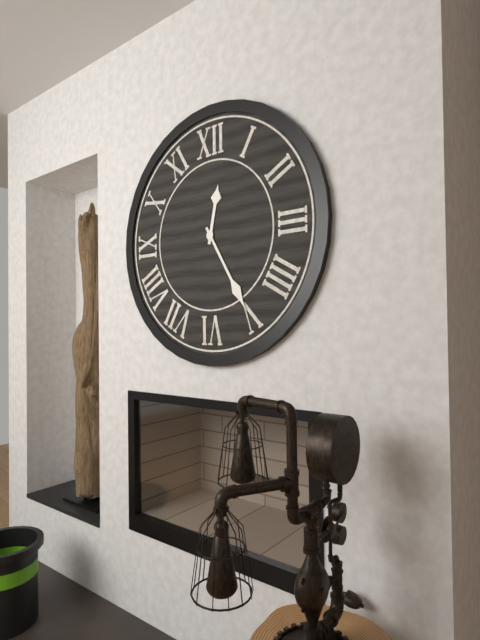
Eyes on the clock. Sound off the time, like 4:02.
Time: 12:25
